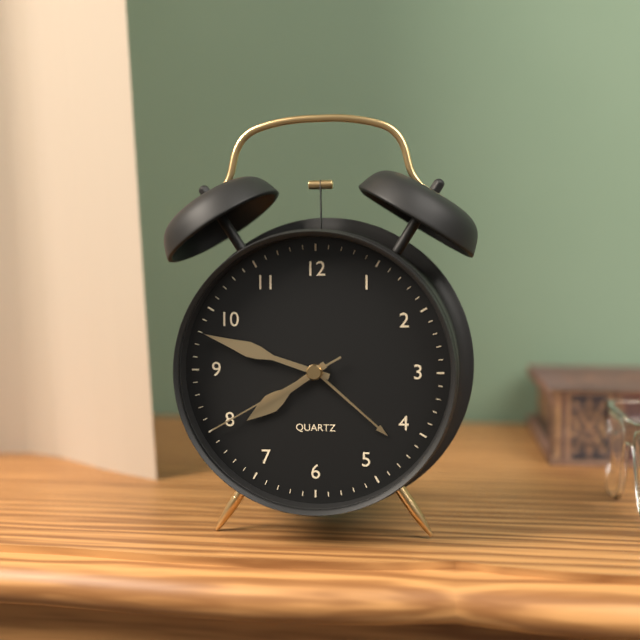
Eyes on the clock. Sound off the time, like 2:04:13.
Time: 7:48:40
